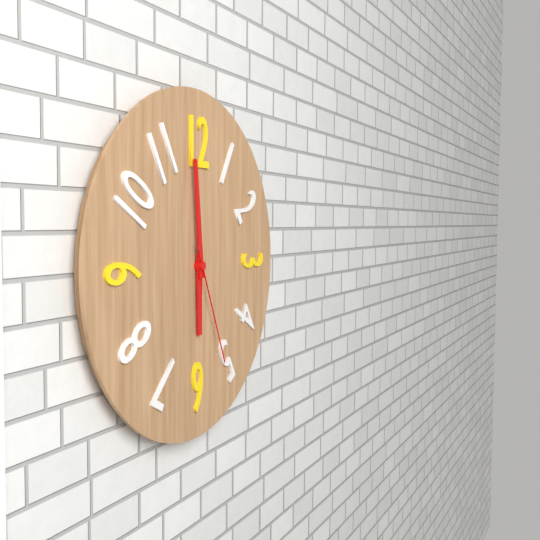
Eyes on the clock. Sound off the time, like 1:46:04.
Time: 5:59:26
